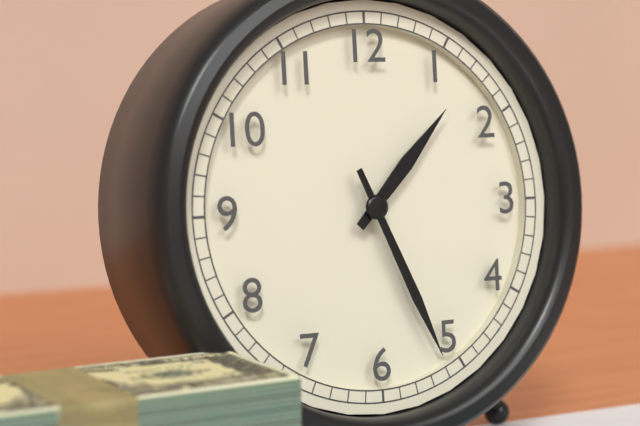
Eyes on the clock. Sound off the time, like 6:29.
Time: 1:26
